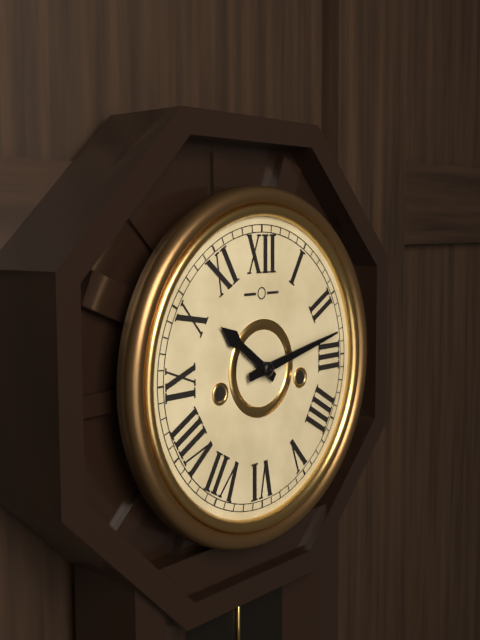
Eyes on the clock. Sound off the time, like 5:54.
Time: 10:13
